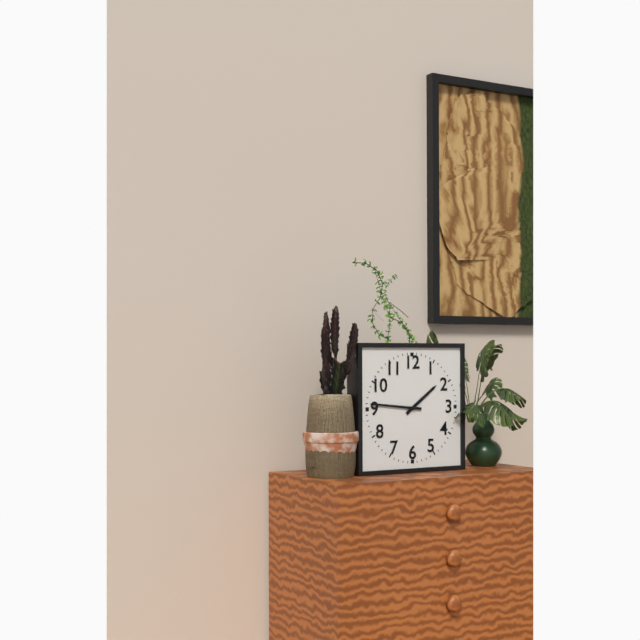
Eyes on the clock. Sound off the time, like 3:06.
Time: 1:46
